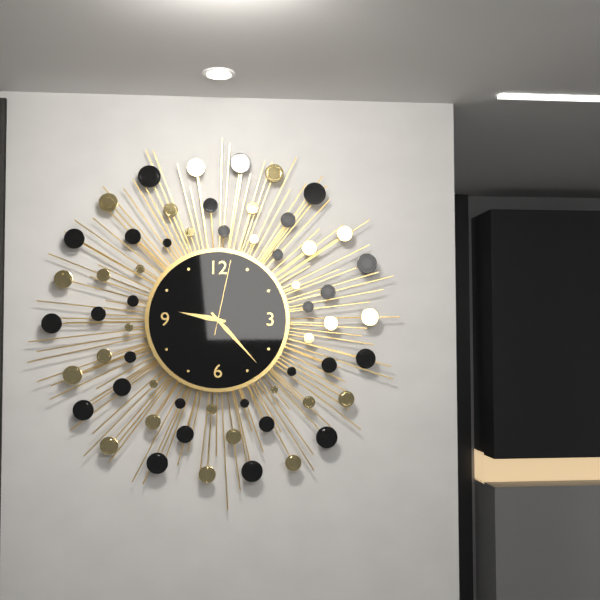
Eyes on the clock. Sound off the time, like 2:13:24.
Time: 9:23:02
